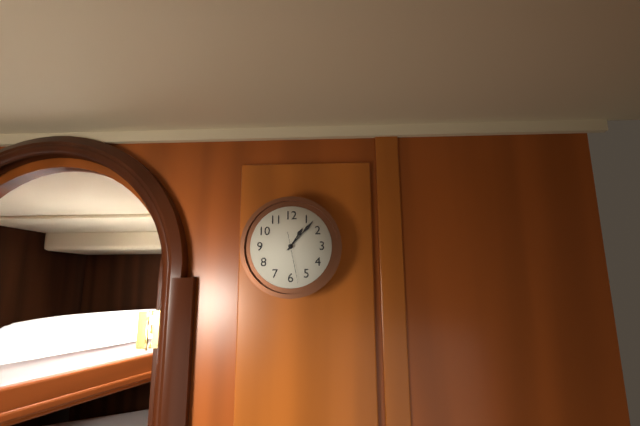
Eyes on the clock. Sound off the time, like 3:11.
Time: 1:07
